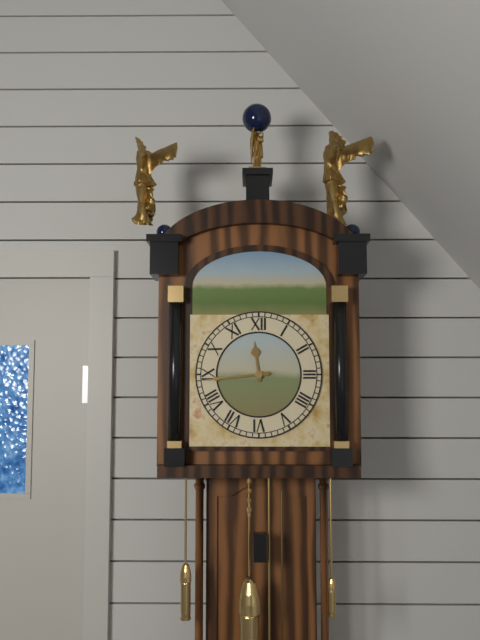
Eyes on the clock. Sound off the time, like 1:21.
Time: 11:44
